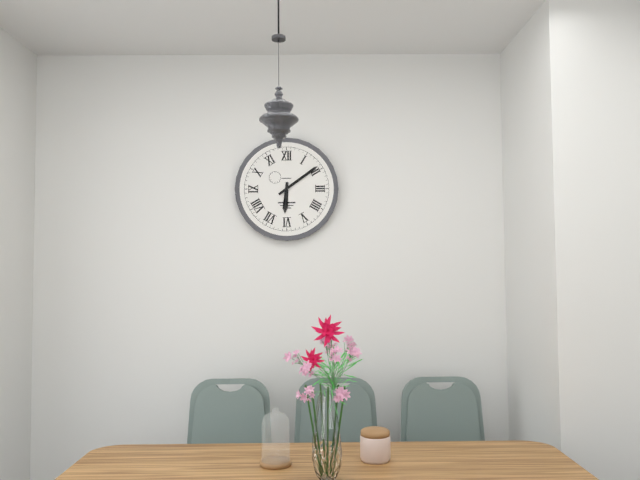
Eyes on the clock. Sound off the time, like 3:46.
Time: 6:09
